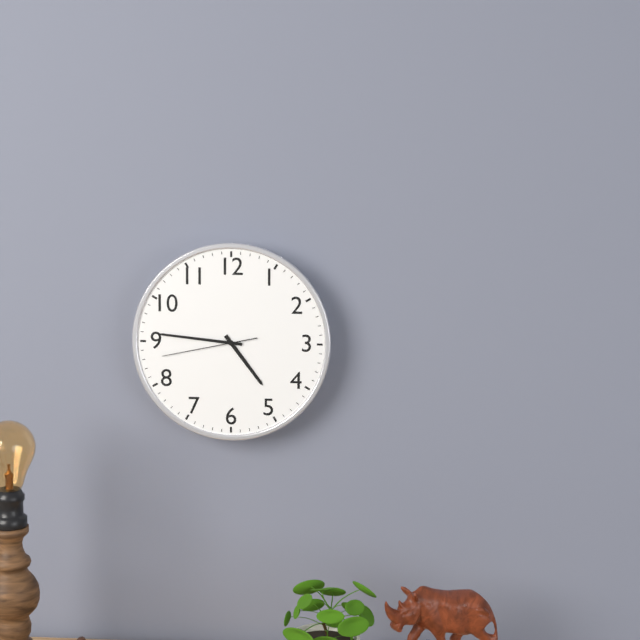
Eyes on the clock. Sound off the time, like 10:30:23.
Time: 4:46:43
